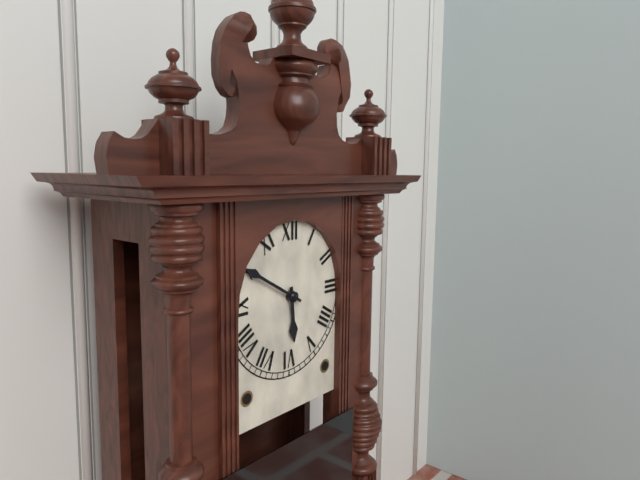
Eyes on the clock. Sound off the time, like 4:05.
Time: 5:50
